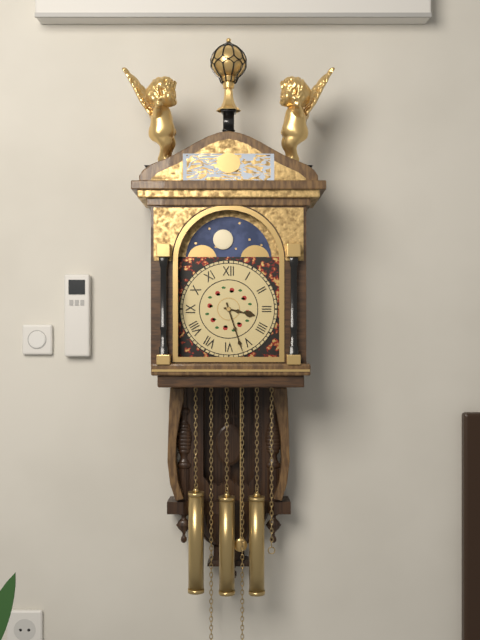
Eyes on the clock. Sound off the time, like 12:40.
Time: 3:27
